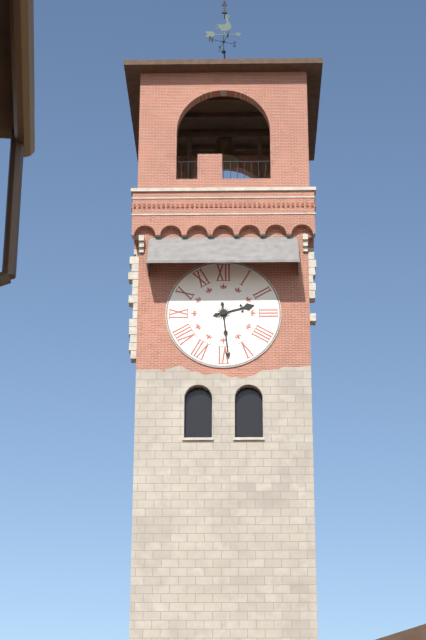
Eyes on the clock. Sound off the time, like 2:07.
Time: 2:29
